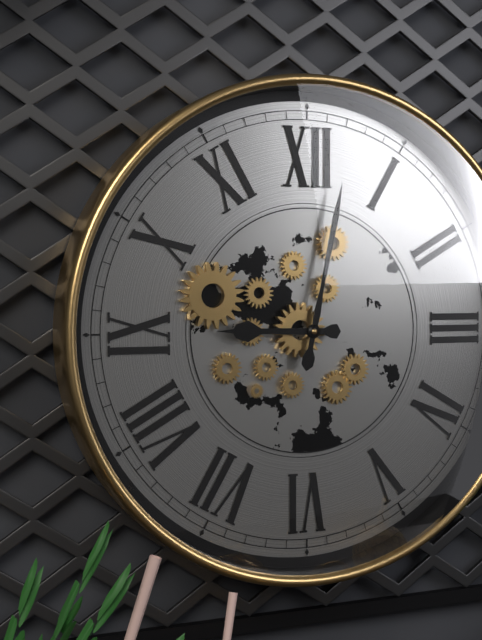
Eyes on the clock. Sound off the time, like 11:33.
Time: 9:02
